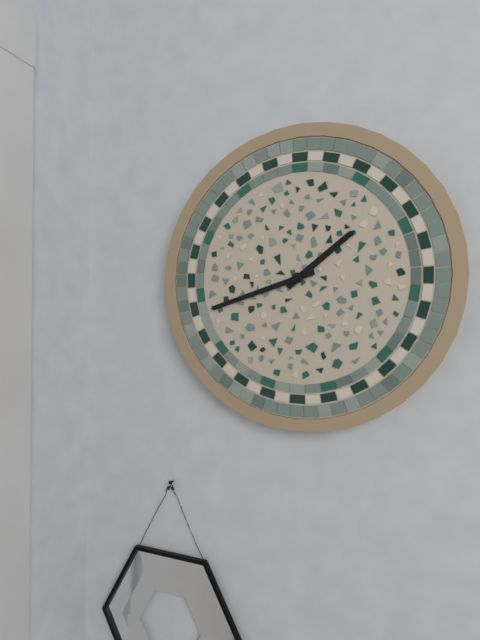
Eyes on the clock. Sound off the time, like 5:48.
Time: 1:42
